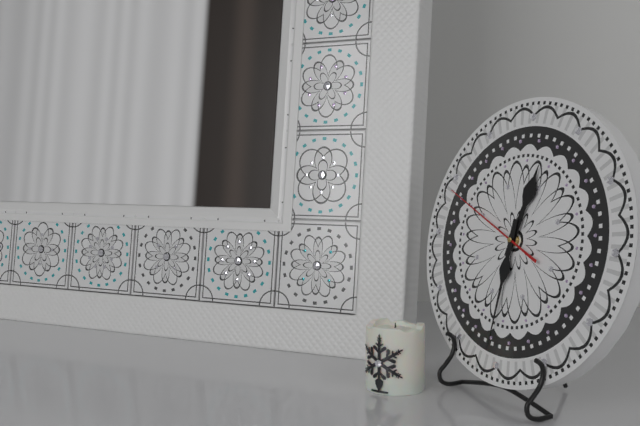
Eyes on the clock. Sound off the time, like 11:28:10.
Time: 12:31:49
